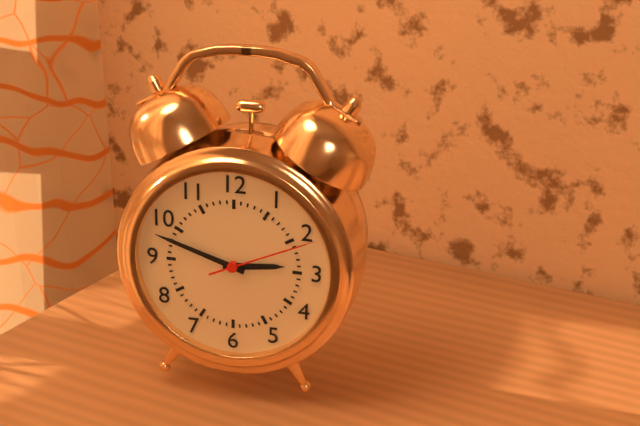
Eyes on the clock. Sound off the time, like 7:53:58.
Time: 2:48:11
